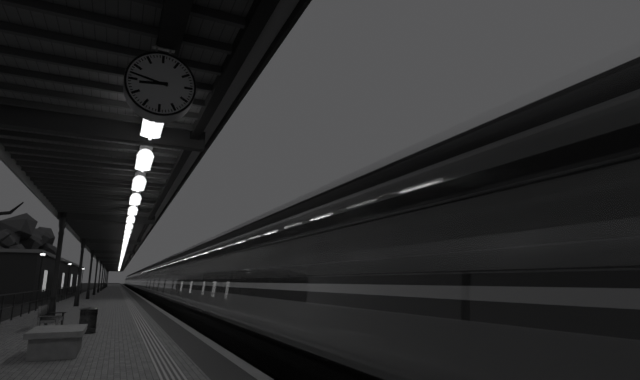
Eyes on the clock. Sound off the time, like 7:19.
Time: 8:47
